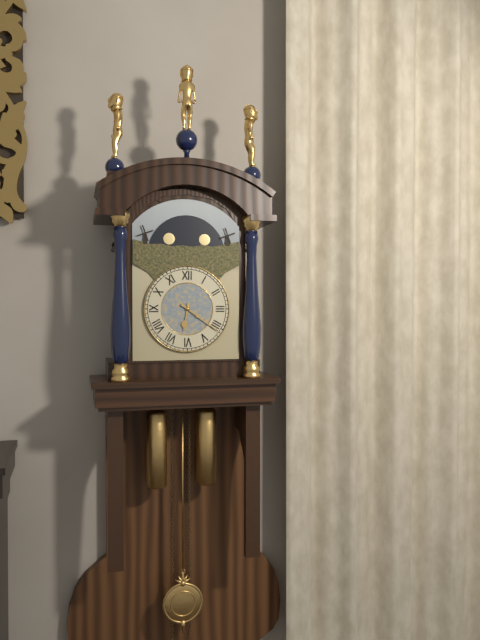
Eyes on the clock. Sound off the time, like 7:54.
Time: 6:21
